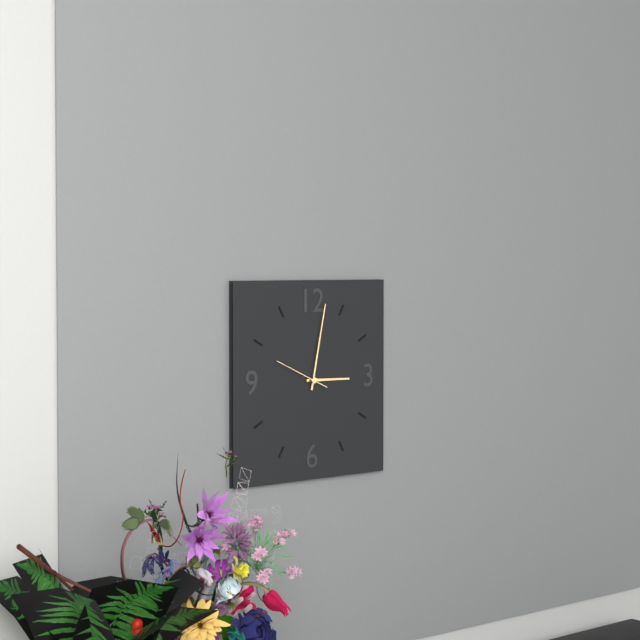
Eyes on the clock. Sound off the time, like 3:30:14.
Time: 3:02:49
